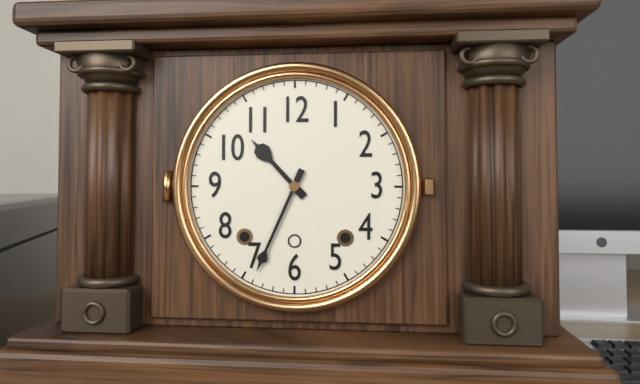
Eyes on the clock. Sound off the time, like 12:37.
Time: 10:34
